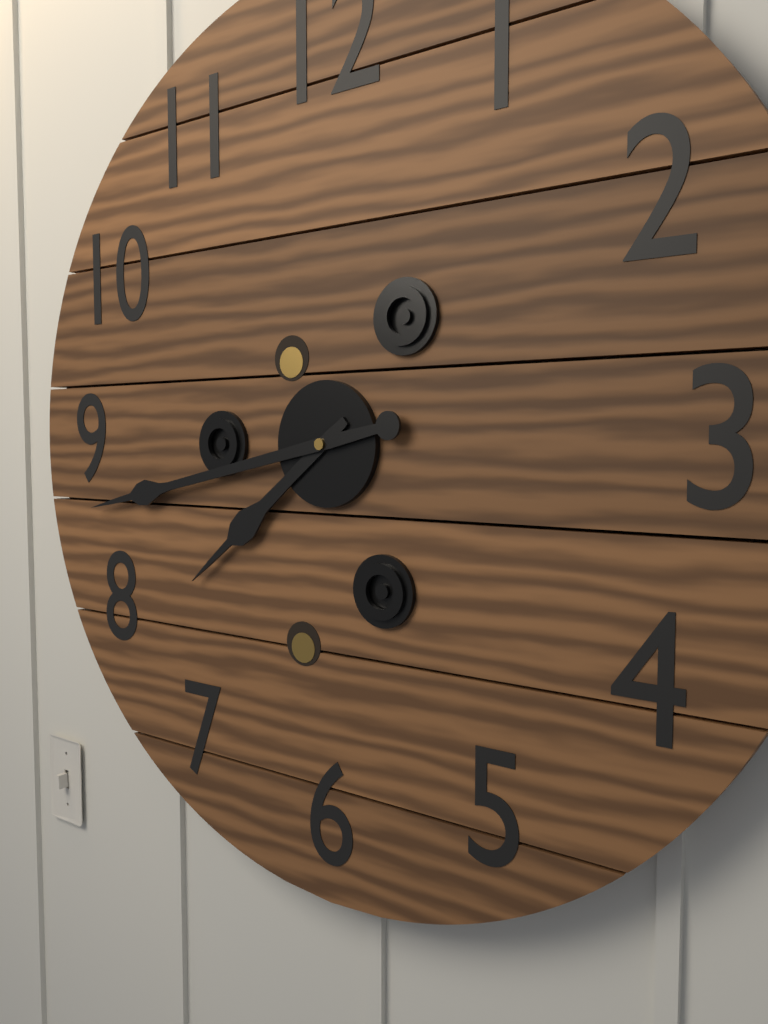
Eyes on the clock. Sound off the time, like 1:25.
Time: 7:43
